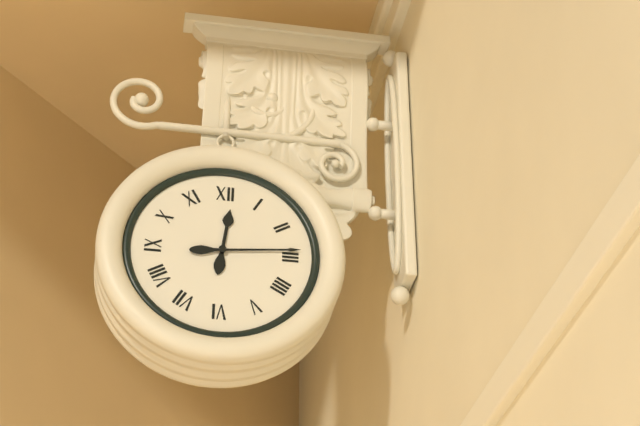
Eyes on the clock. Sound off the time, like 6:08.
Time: 12:14
